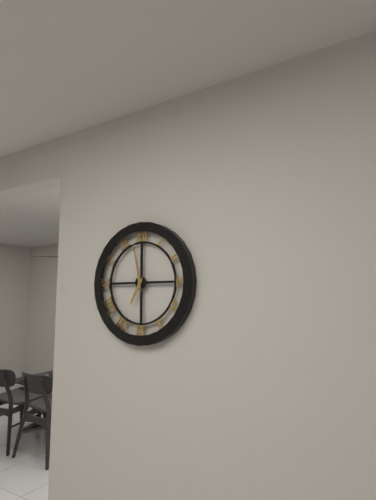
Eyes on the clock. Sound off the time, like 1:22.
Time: 6:58
